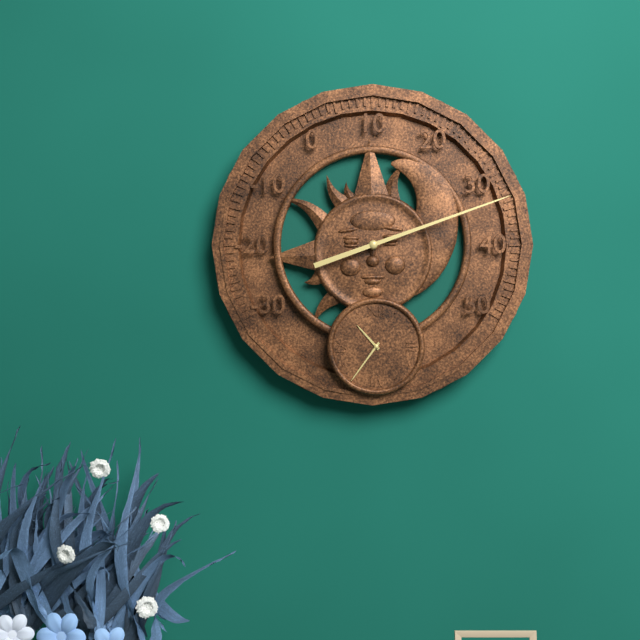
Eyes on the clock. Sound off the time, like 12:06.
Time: 10:36
